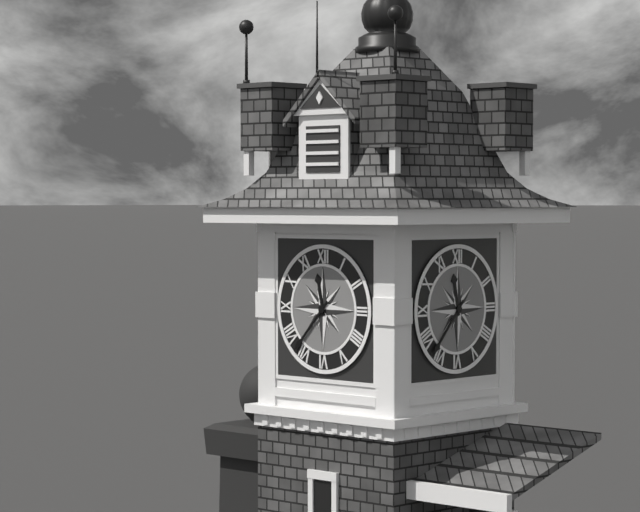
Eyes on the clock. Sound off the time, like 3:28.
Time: 11:37
